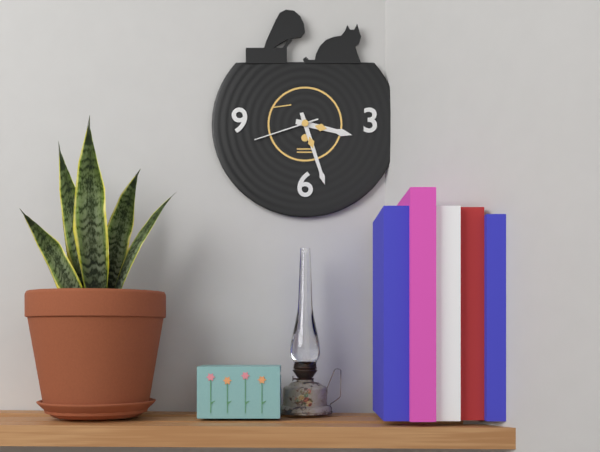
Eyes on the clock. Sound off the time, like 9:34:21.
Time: 3:27:42
